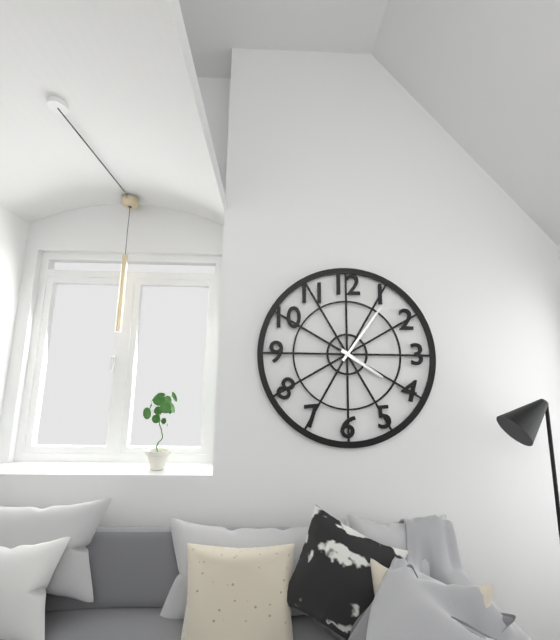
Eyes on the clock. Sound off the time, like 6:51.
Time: 4:06
